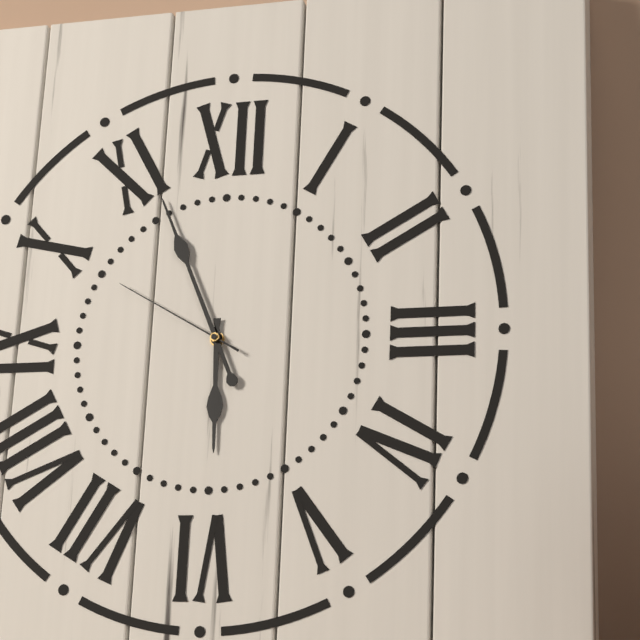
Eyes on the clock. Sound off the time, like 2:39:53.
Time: 5:56:50
